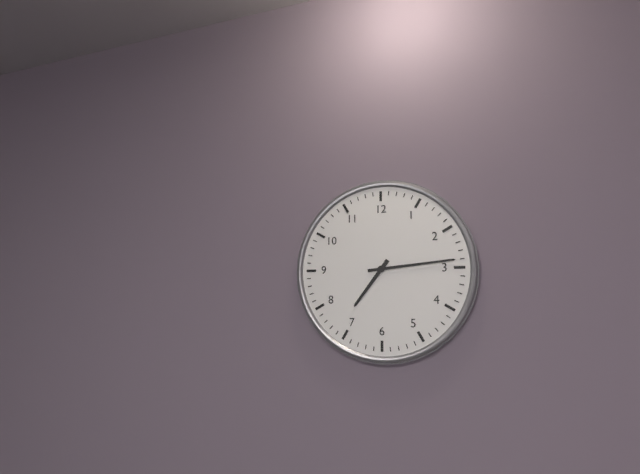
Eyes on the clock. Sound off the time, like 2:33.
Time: 7:14
